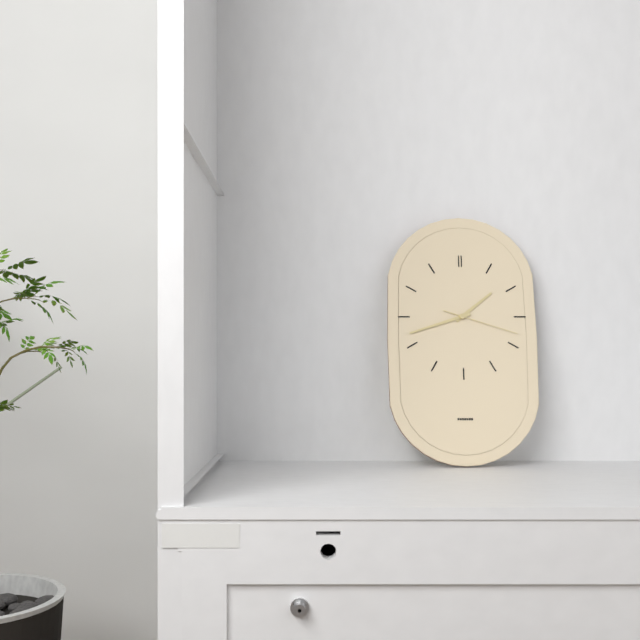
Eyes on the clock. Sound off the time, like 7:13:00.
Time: 1:42:18
